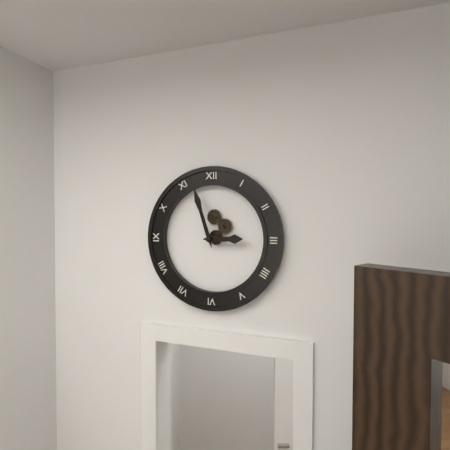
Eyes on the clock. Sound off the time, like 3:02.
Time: 2:57
